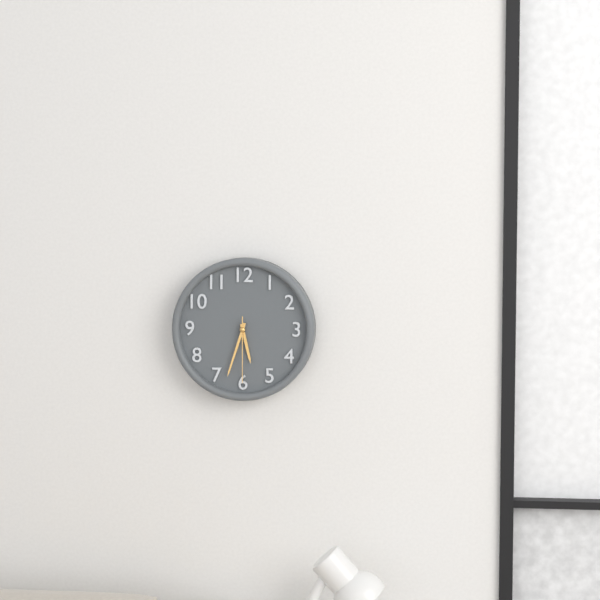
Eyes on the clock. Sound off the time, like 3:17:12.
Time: 5:33:30
